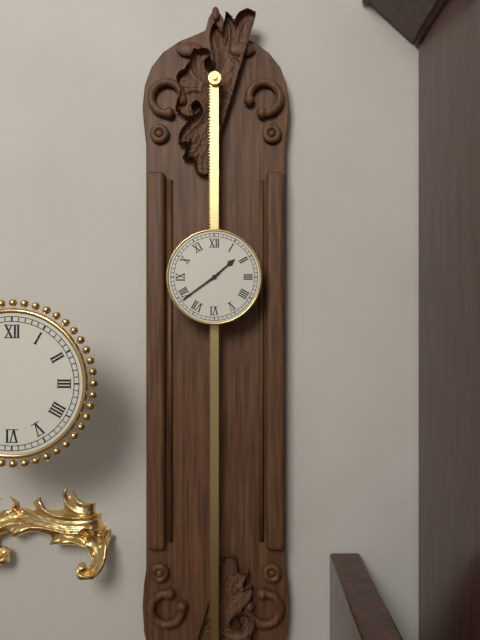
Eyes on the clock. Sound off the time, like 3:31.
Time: 1:39
